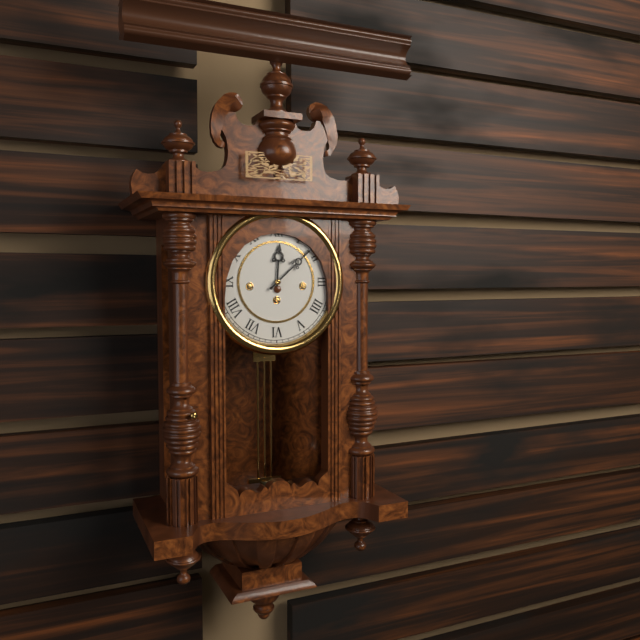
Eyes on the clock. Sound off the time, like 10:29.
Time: 12:08
